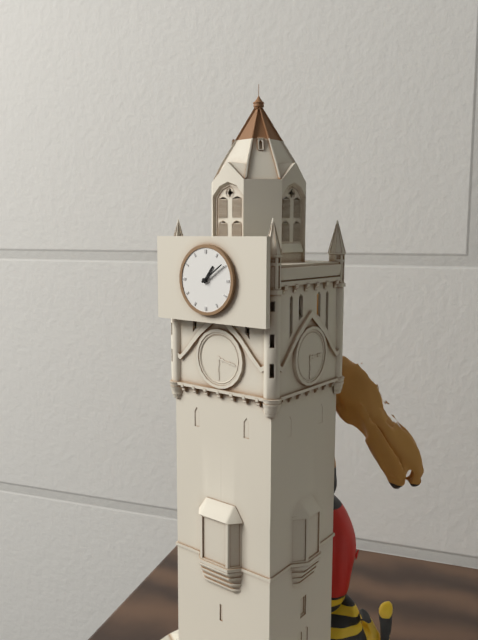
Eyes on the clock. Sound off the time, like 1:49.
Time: 1:09
